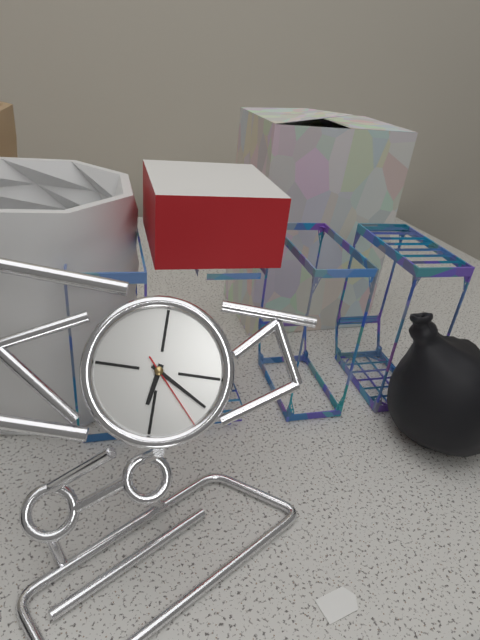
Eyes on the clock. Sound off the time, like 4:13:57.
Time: 6:20:23
